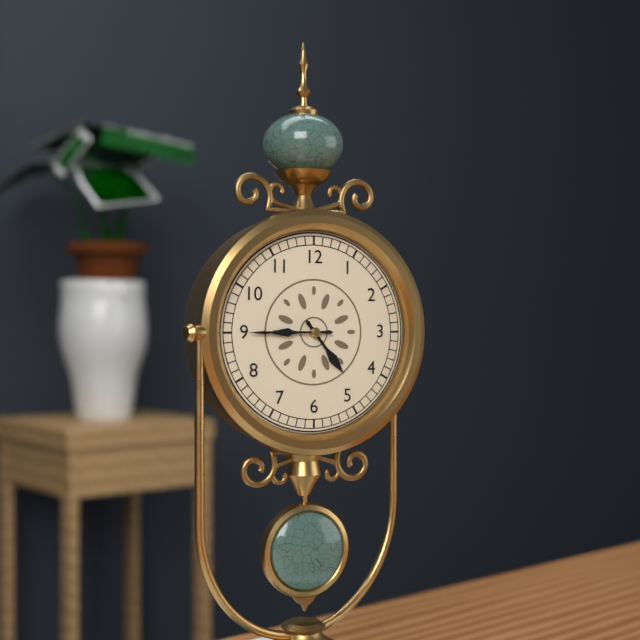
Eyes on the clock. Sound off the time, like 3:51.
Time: 4:45
